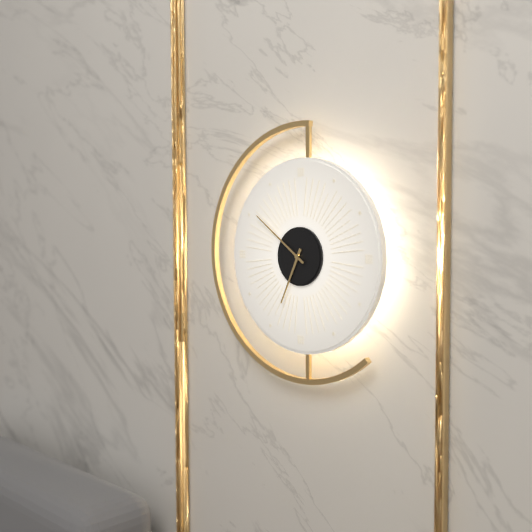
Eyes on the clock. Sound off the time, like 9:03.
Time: 6:51
